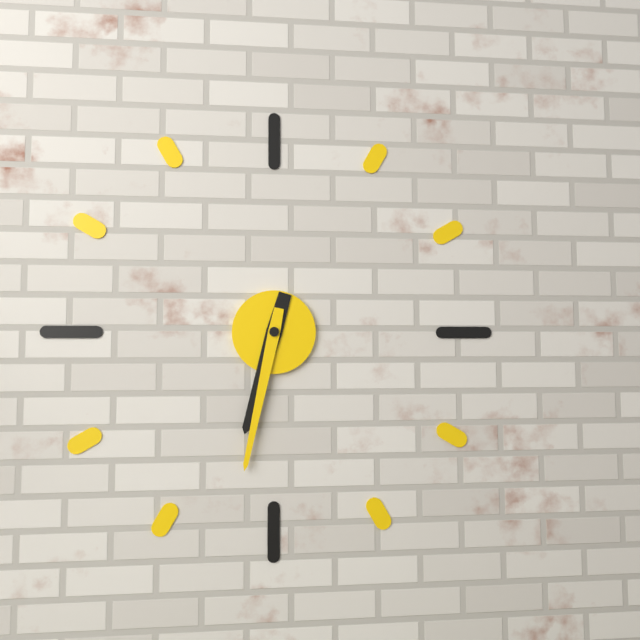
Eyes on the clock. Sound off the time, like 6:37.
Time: 6:32
